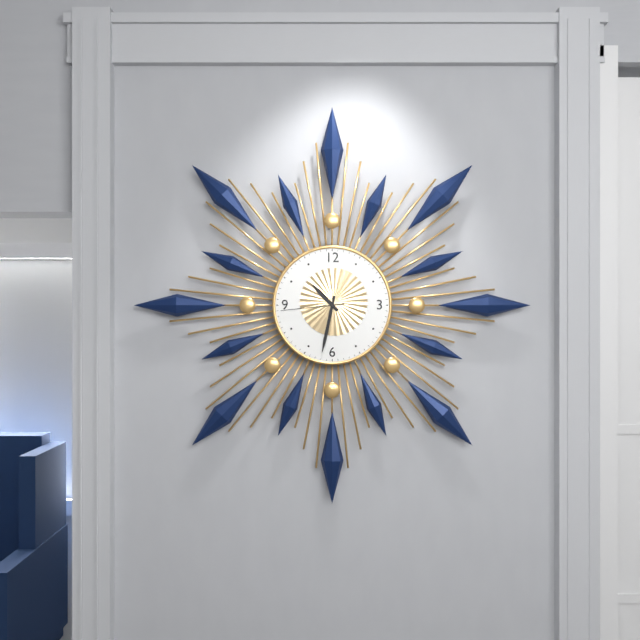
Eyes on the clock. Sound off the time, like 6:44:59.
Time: 10:32:44
